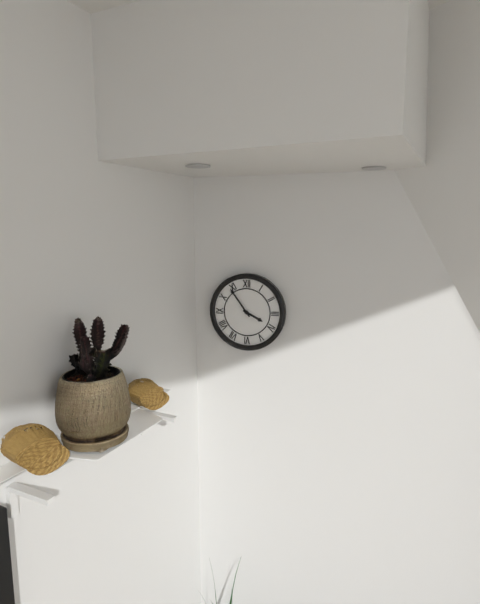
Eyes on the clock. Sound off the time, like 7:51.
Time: 3:54
